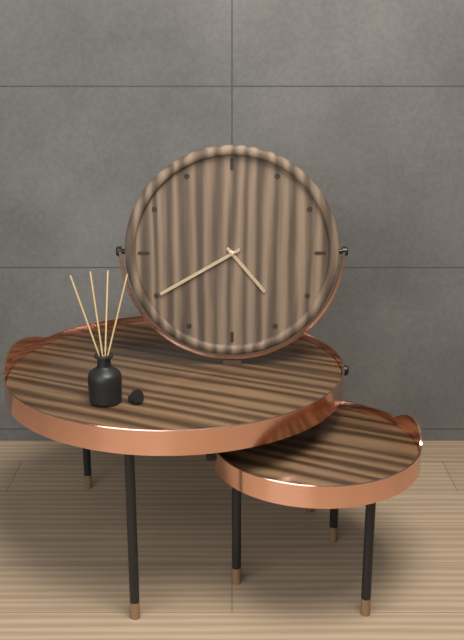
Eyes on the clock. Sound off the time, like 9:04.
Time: 4:40
